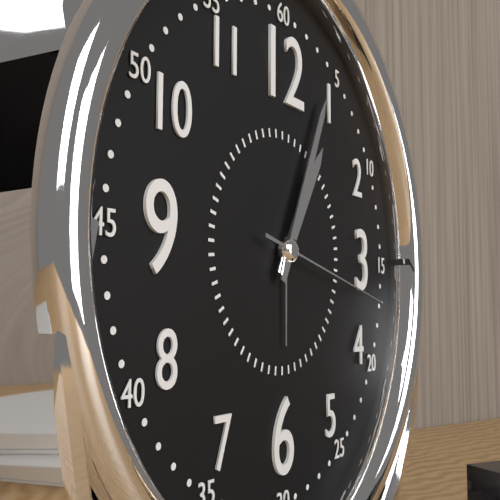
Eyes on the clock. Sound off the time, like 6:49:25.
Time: 1:04:17
